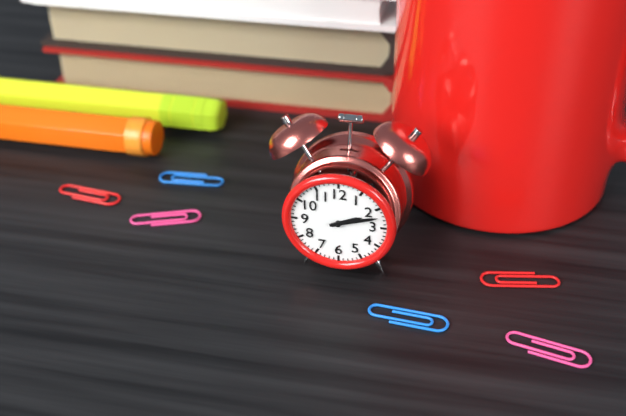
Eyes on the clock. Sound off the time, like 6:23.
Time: 2:12
